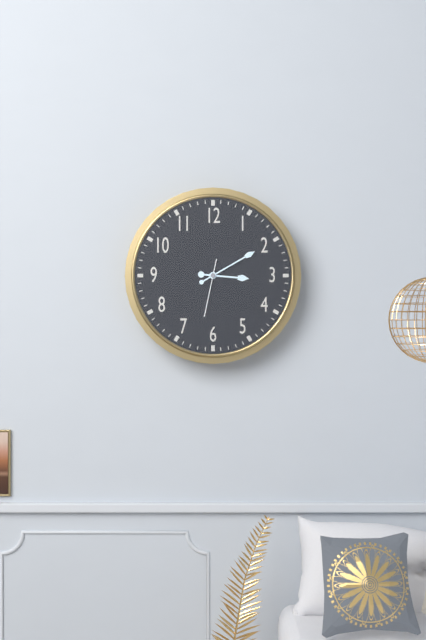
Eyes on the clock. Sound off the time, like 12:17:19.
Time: 3:10:32
